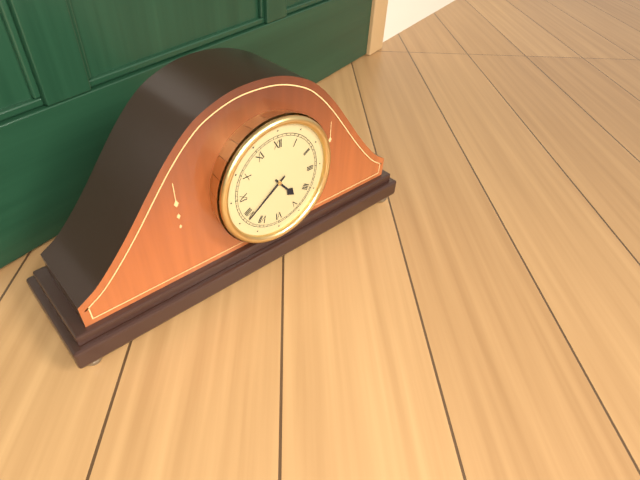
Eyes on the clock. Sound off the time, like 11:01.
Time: 4:39
